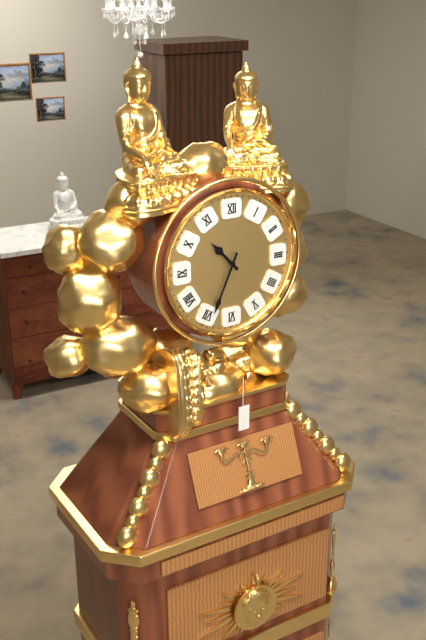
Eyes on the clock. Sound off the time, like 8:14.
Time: 10:34
